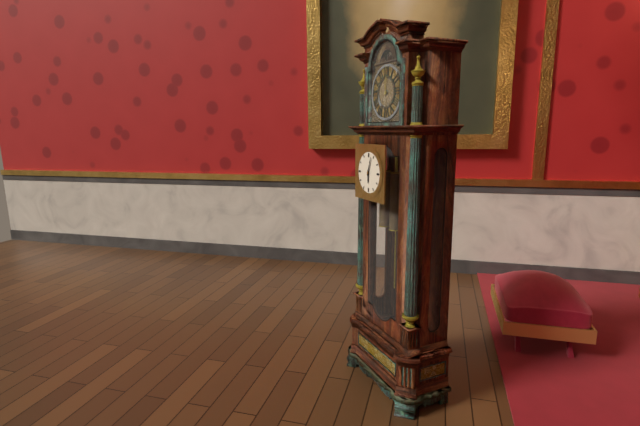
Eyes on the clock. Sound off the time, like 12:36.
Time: 6:03
